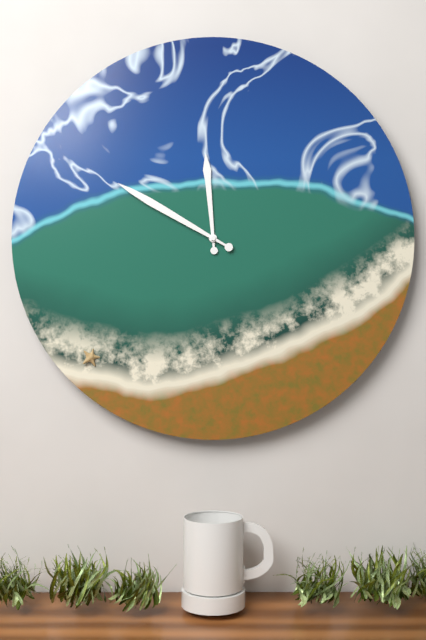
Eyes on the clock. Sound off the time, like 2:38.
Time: 11:50
